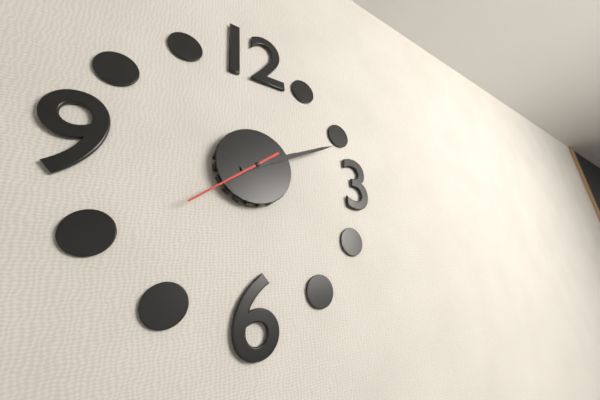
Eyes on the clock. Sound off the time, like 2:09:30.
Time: 2:11:39
